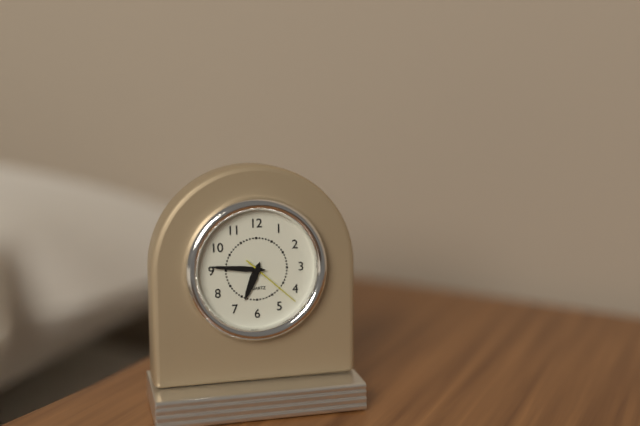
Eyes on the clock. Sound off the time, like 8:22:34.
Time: 6:46:22
